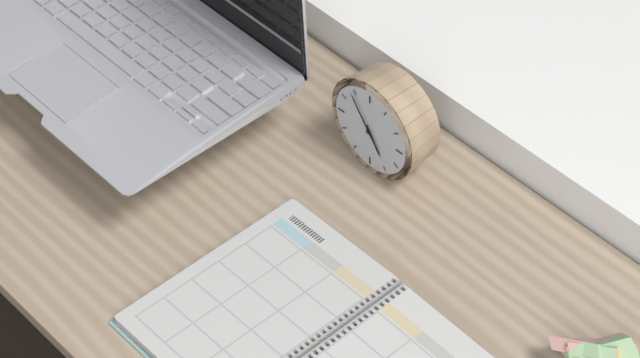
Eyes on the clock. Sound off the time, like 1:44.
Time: 4:54
